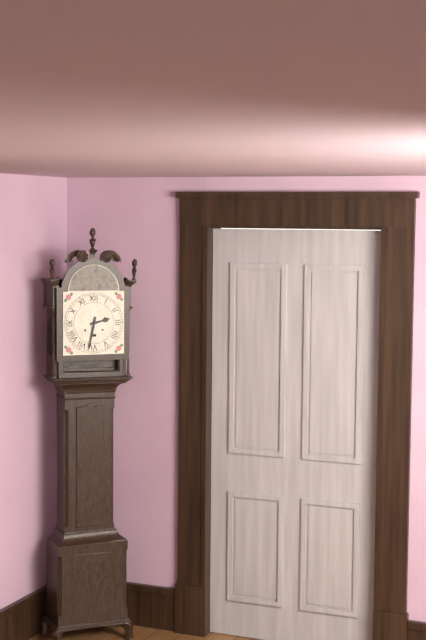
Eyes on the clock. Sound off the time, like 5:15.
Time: 2:32
